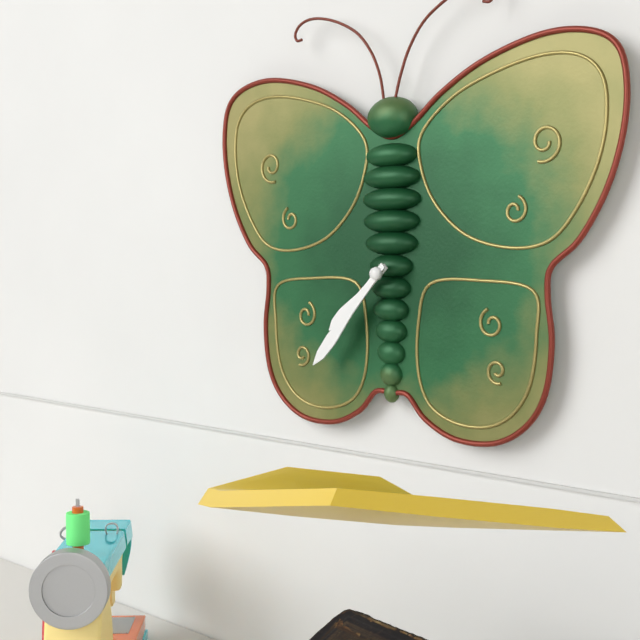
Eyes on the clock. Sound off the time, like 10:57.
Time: 7:37
